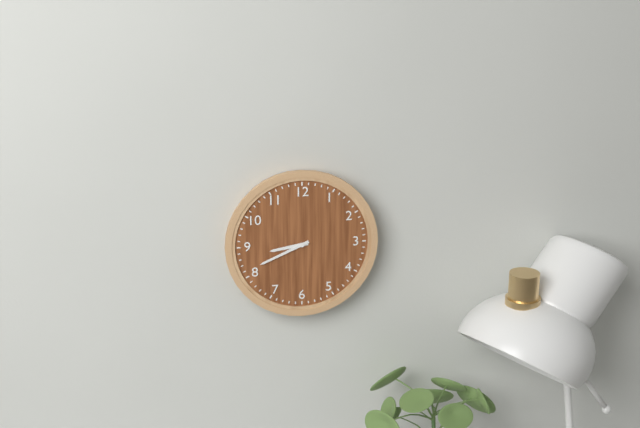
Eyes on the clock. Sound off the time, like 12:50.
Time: 8:41
